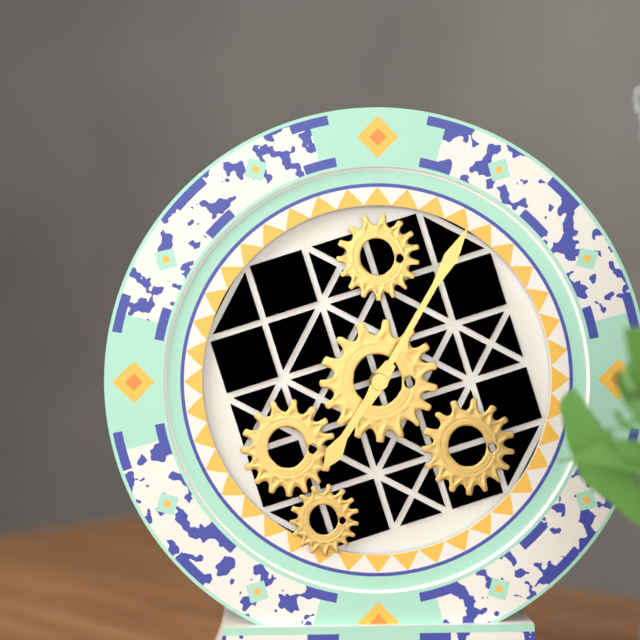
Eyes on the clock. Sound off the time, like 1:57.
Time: 7:05
